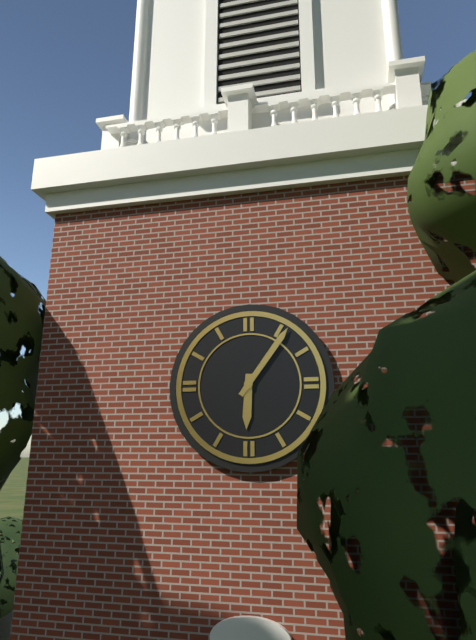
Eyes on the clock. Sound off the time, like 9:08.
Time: 6:06
